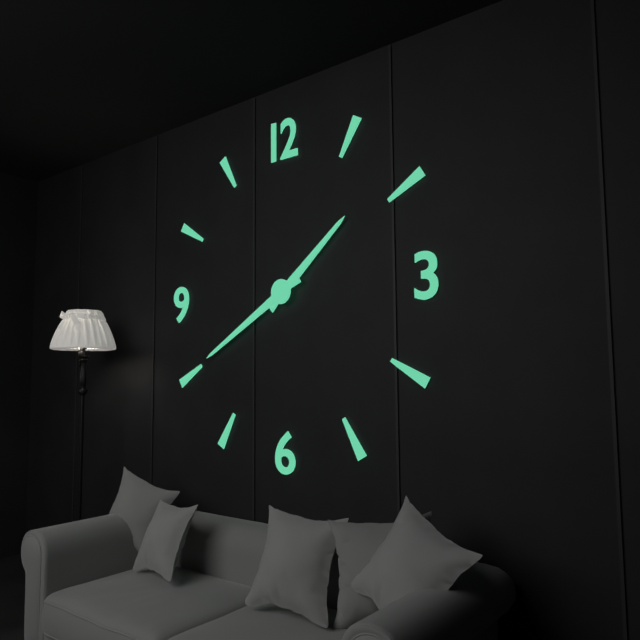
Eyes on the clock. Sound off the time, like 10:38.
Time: 1:40
